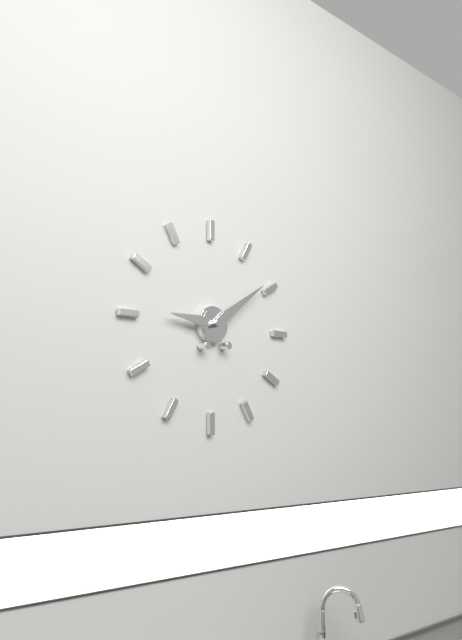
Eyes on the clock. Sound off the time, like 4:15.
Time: 9:09
